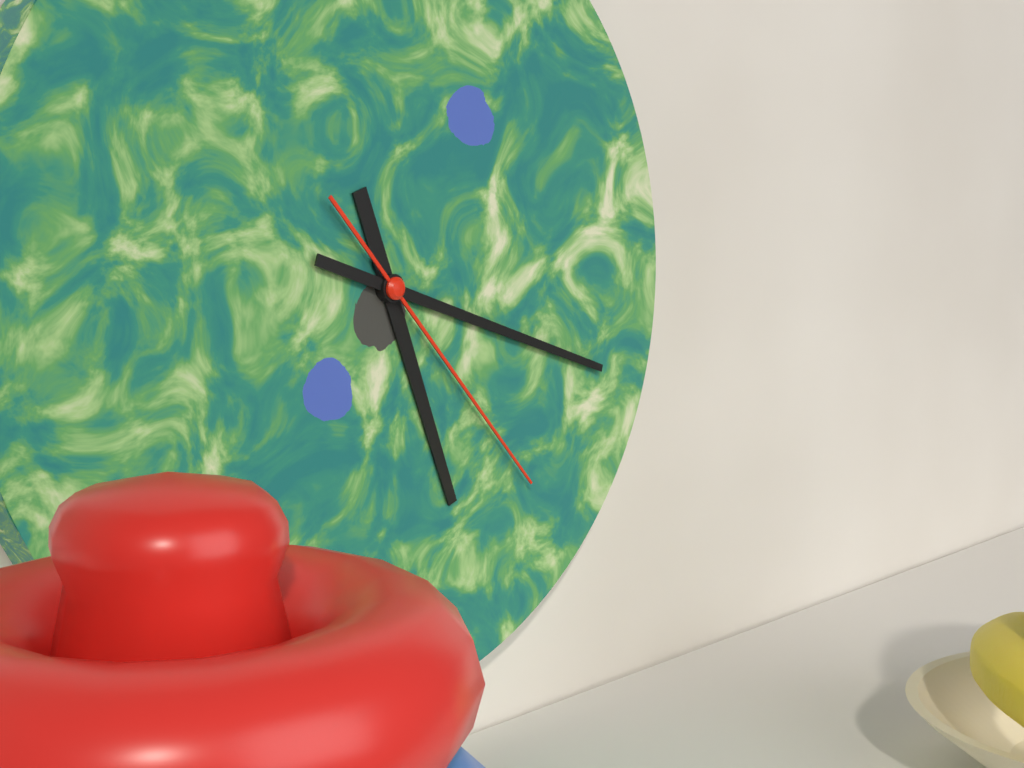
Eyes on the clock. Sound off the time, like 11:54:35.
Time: 5:18:23
